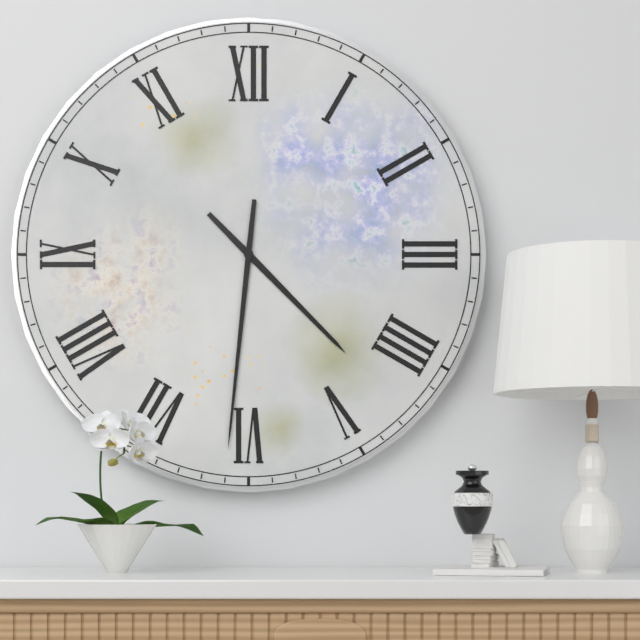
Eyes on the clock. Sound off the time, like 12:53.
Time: 4:31
